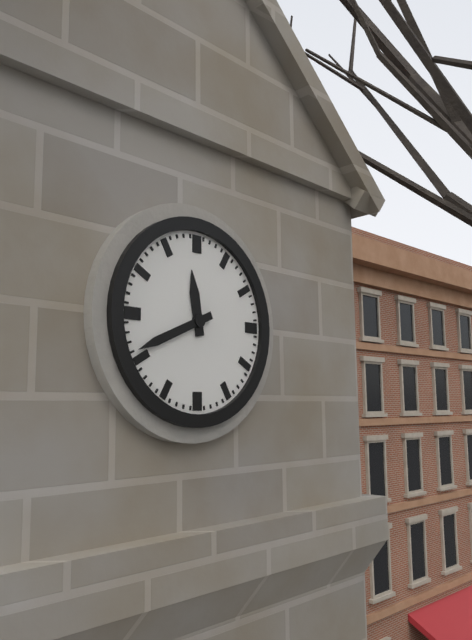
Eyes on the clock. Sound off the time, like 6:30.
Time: 11:41
